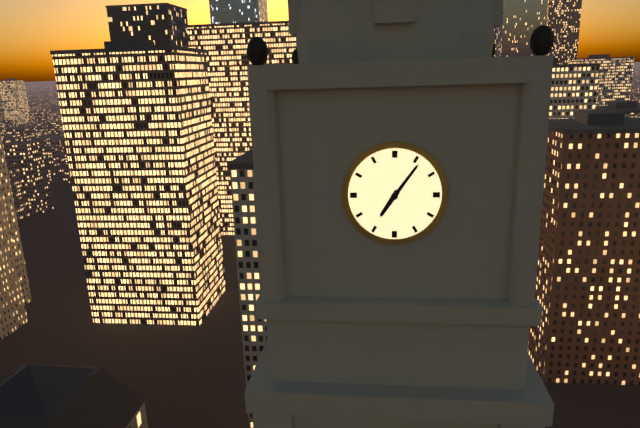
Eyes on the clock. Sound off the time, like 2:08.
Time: 7:06
